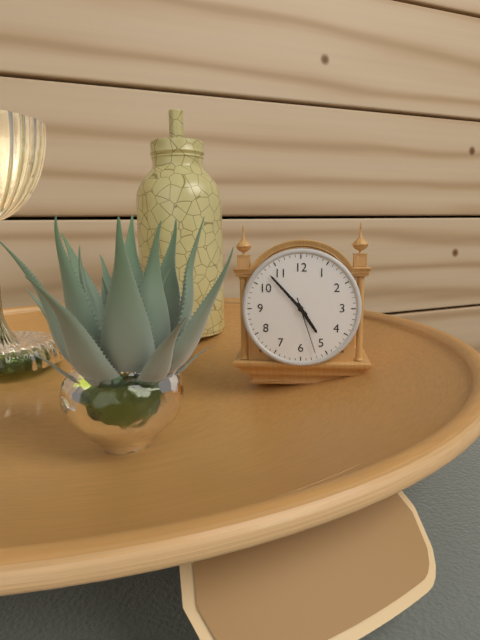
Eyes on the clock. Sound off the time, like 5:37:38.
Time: 4:53:27
